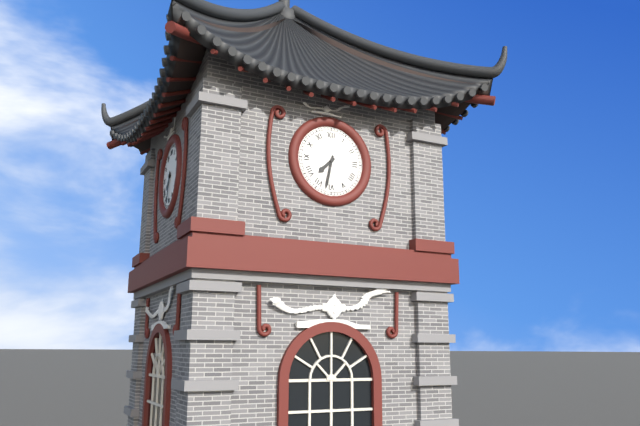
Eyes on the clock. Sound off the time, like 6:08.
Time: 7:32
